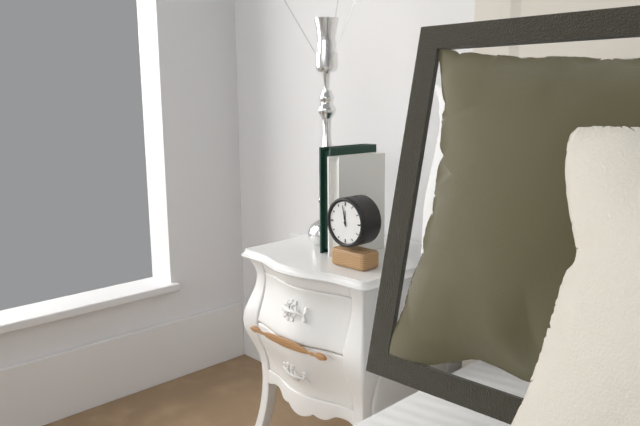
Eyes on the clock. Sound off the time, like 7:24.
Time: 11:58
